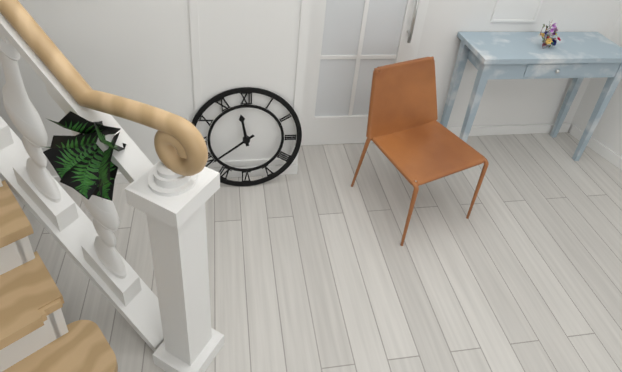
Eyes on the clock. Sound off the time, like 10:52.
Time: 11:39
